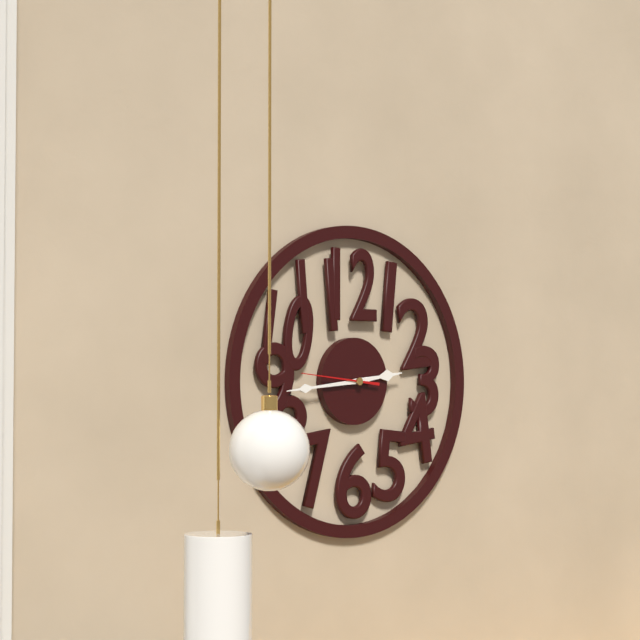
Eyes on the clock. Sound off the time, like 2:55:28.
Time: 2:44:46
